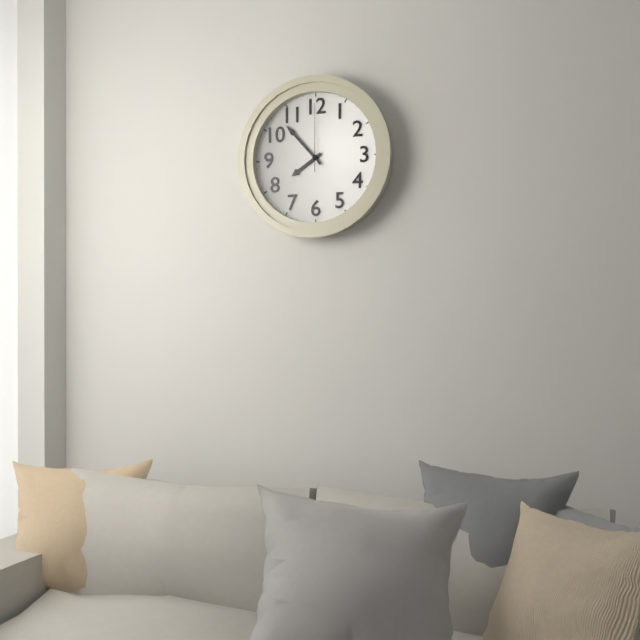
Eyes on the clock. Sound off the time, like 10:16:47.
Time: 7:53:00
